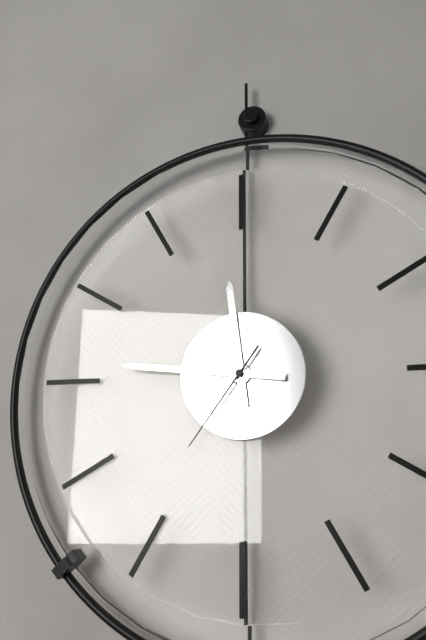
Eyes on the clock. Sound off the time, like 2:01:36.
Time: 11:46:36
